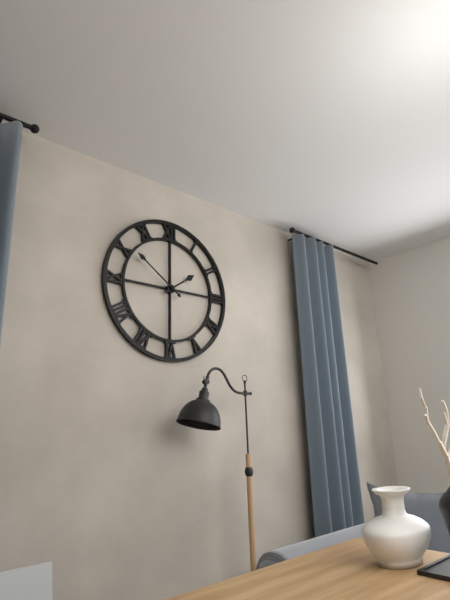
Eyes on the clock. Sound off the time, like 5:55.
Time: 1:51
